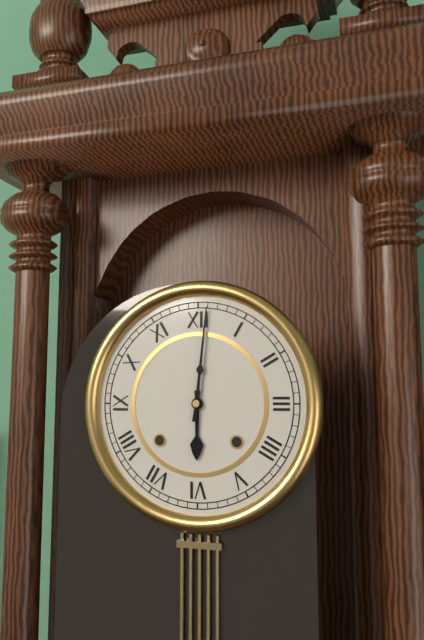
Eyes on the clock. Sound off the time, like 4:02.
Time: 6:01
